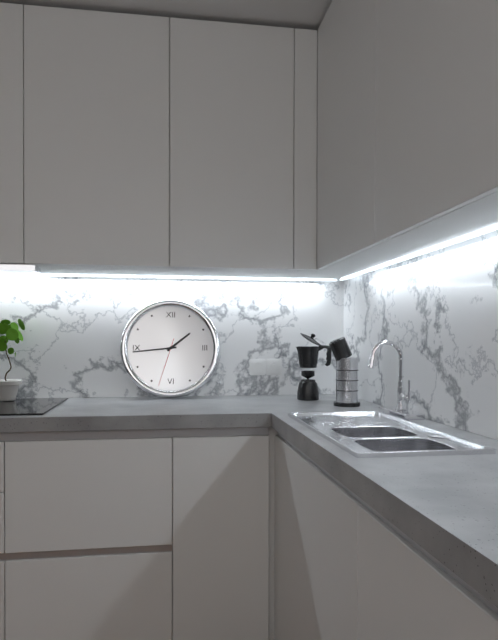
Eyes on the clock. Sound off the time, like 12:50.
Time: 1:44
